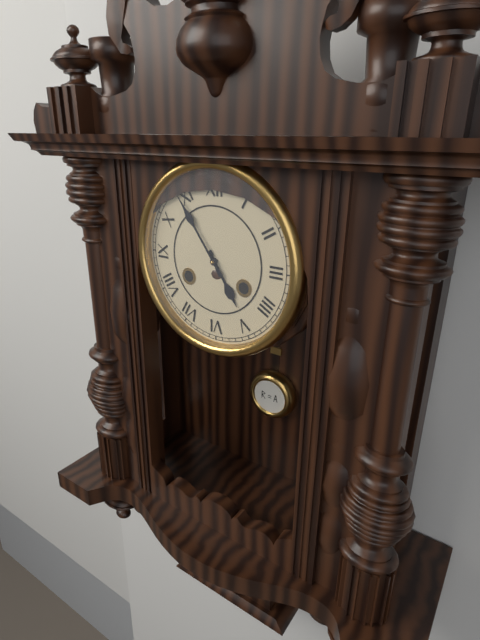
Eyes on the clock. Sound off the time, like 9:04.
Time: 4:54
